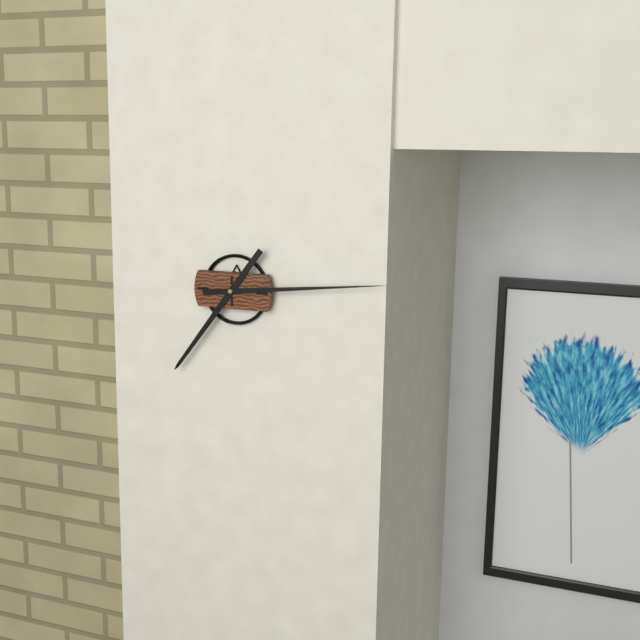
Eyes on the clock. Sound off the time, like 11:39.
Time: 7:14
